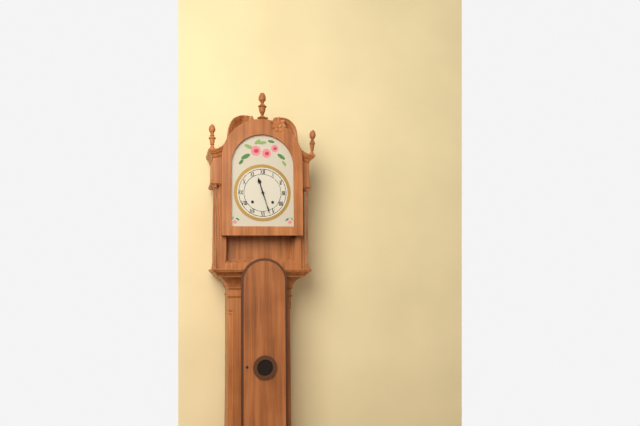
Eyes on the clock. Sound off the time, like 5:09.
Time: 11:27
